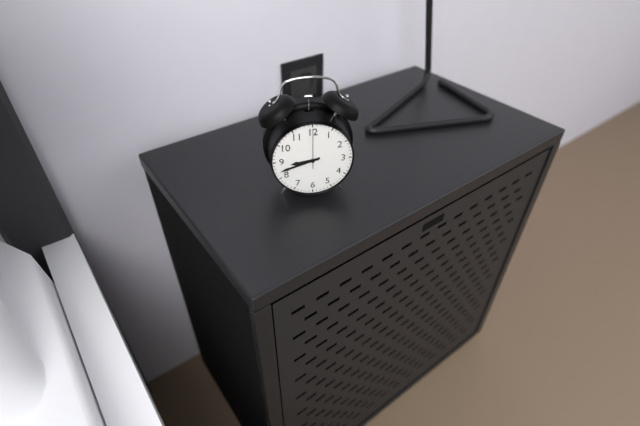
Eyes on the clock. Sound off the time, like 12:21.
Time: 8:42
